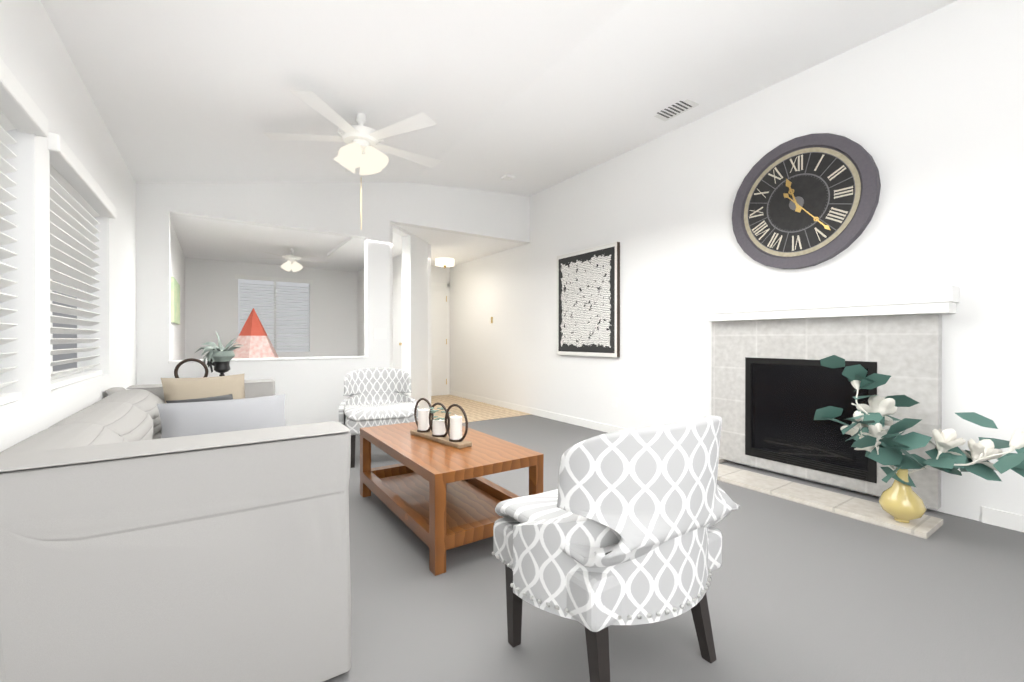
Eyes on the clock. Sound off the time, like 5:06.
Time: 11:23
